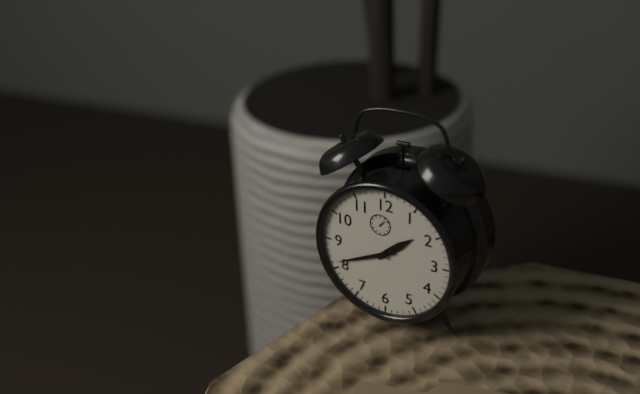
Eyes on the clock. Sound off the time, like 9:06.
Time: 1:41
